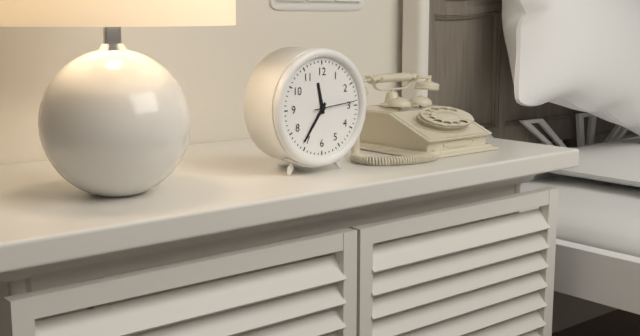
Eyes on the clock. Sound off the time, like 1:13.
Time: 11:36
